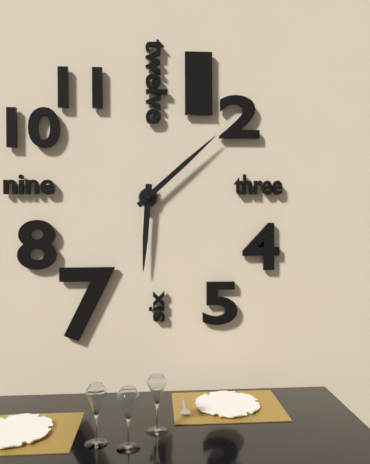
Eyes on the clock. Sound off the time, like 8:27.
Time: 6:08
